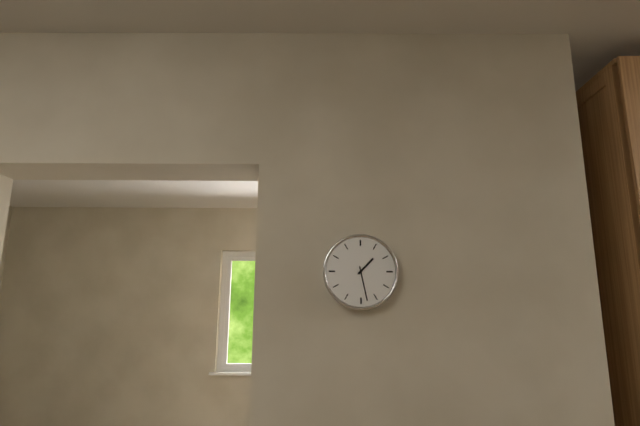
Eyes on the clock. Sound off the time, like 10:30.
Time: 1:28
